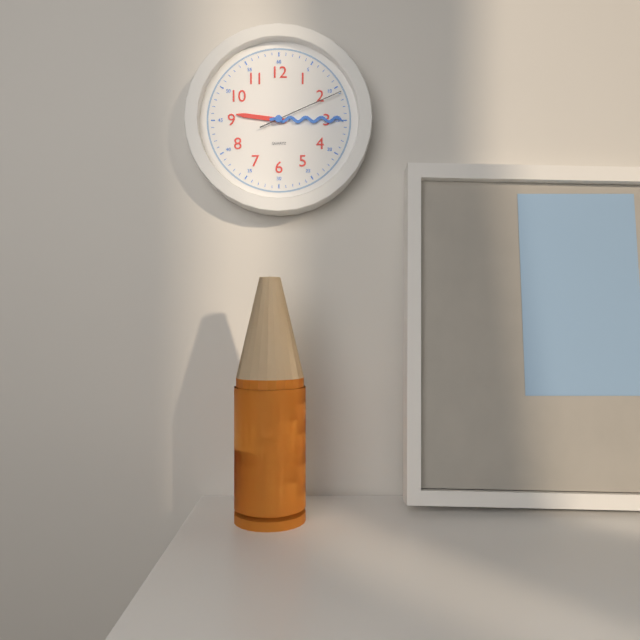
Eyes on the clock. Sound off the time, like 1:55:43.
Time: 9:15:11
